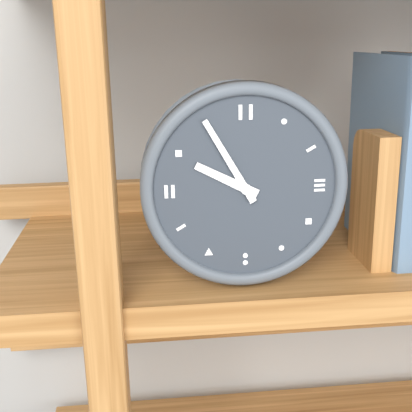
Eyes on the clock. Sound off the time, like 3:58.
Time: 9:55
